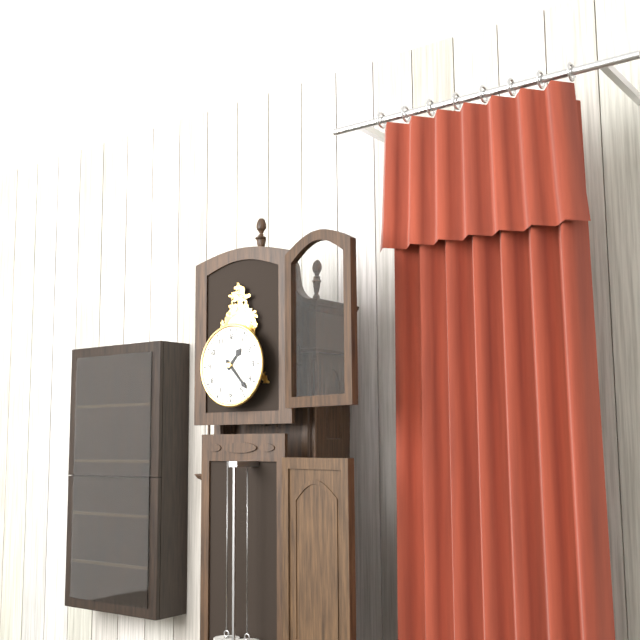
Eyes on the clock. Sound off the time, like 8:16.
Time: 1:23
